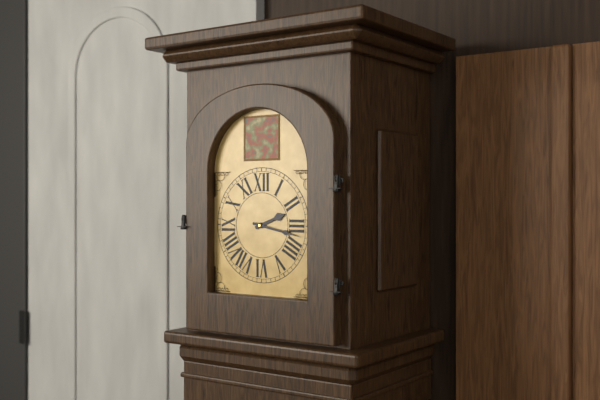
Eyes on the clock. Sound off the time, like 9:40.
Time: 2:17
